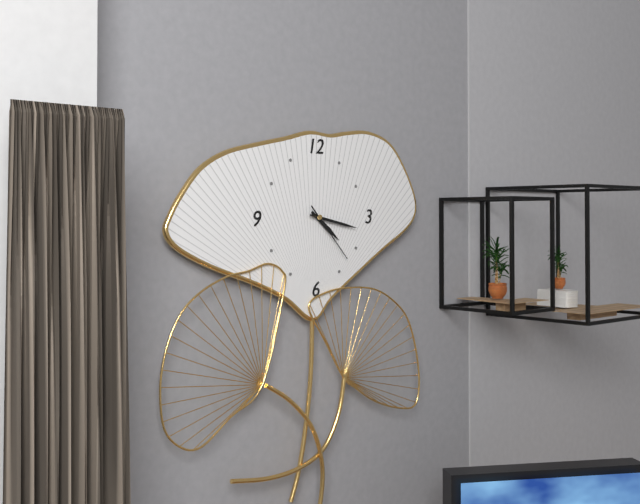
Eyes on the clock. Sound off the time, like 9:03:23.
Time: 4:17:23
